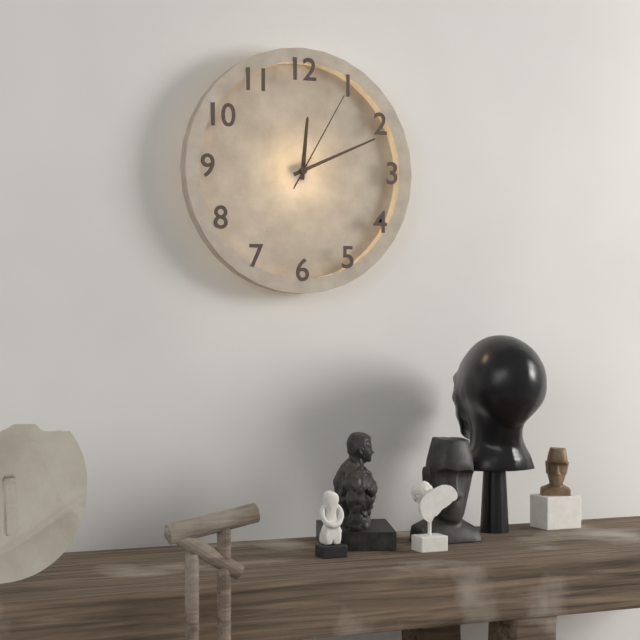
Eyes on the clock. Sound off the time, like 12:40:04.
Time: 12:11:05
